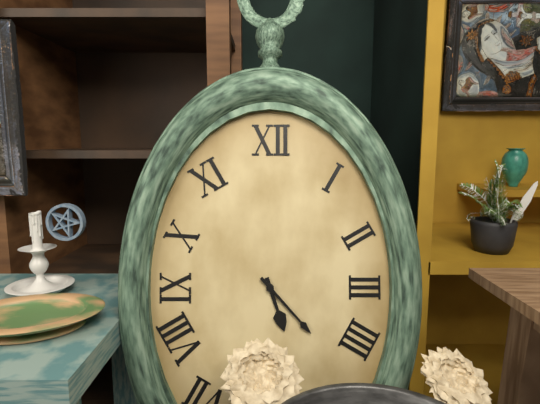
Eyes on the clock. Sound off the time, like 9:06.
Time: 5:23
